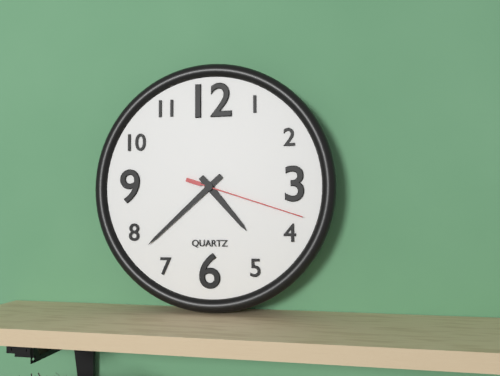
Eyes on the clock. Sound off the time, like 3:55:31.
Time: 4:38:18
